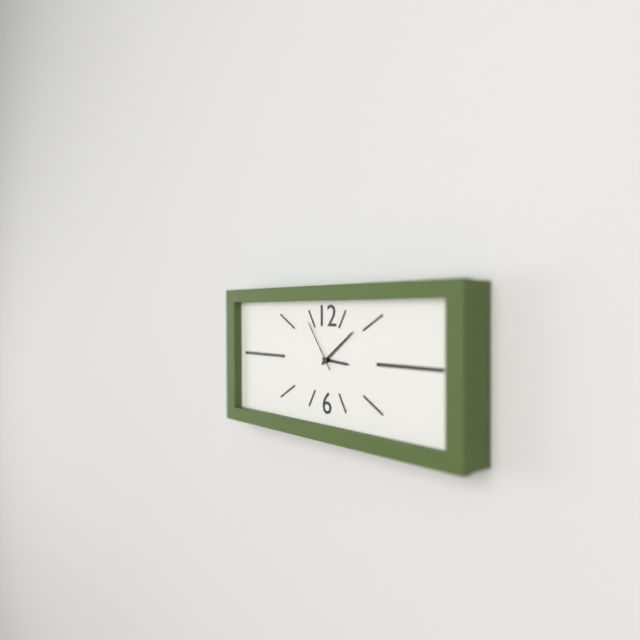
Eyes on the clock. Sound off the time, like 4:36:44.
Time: 3:09:54
